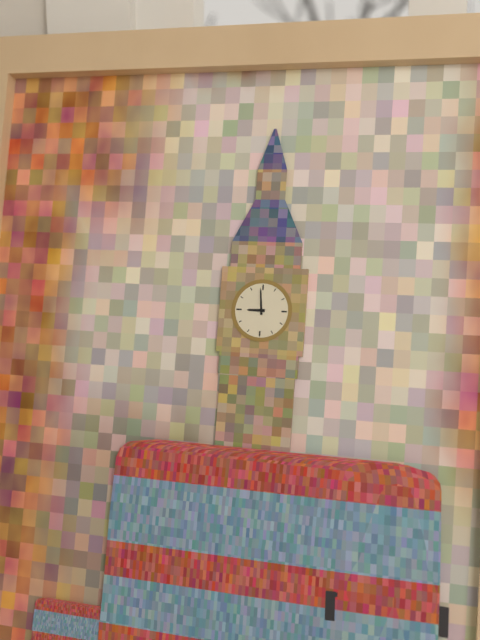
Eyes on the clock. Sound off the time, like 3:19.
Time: 8:59
